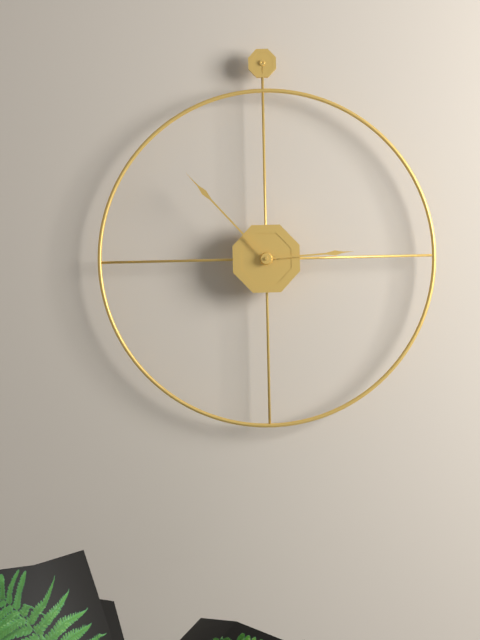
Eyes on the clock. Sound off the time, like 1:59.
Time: 2:53
